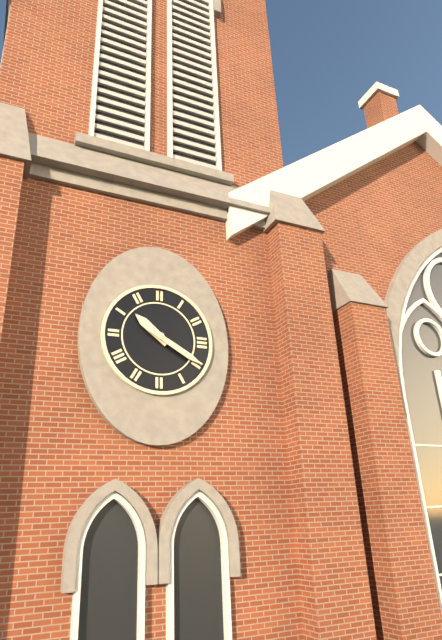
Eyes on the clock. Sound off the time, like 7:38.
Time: 10:20
